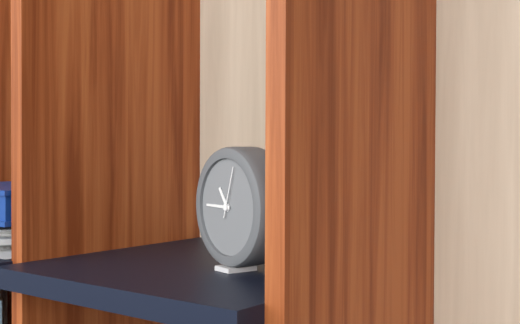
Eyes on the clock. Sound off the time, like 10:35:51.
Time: 10:45:03
